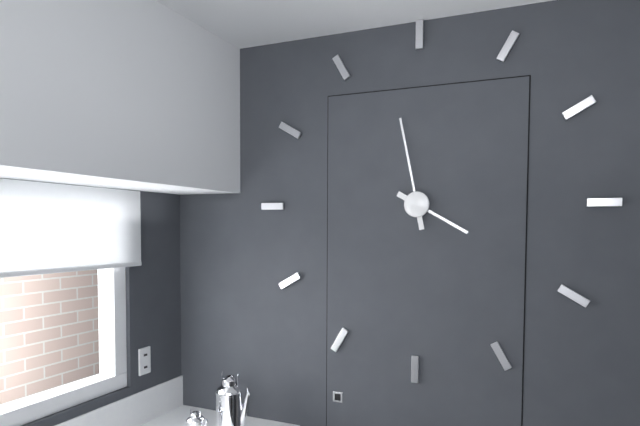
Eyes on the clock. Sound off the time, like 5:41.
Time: 3:58
